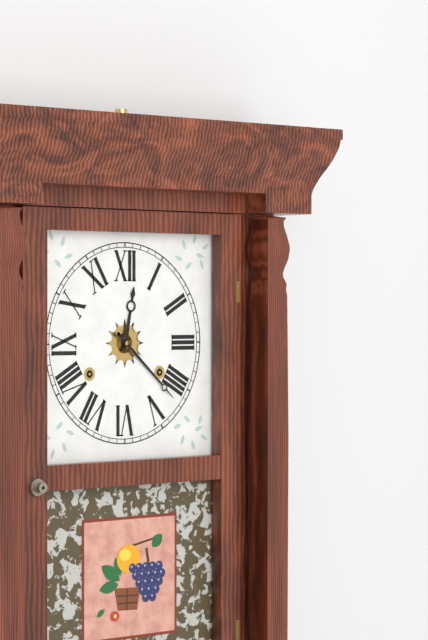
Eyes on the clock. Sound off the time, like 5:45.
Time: 12:22
